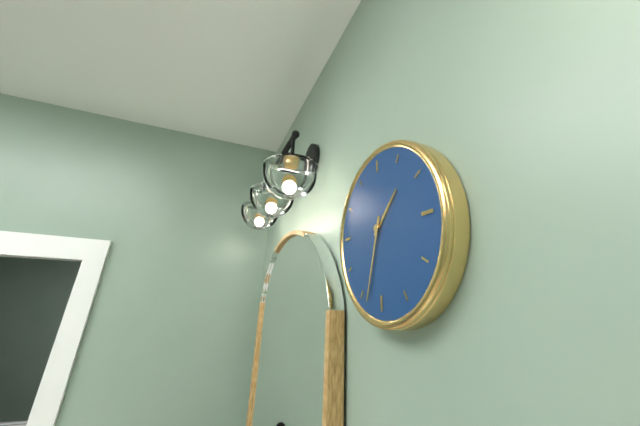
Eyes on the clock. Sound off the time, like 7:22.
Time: 1:33
